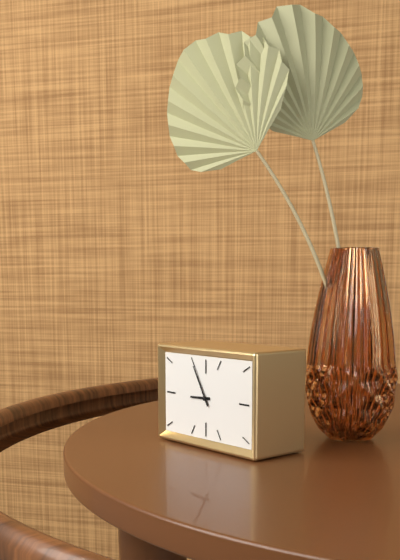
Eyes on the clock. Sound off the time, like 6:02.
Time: 8:55
